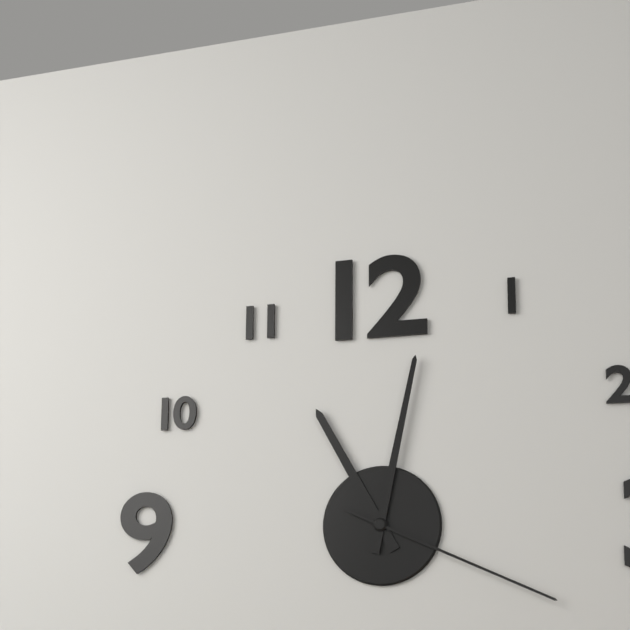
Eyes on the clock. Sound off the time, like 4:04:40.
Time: 11:02:19
